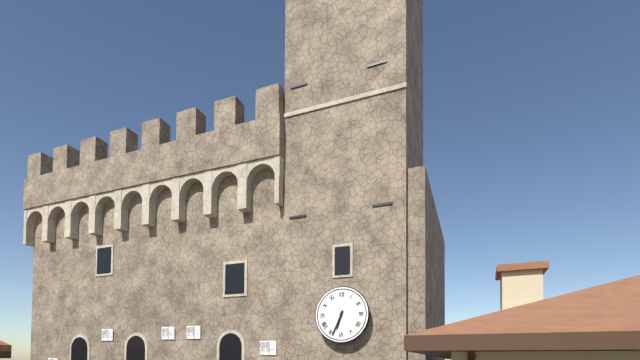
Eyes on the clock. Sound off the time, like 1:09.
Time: 6:34
